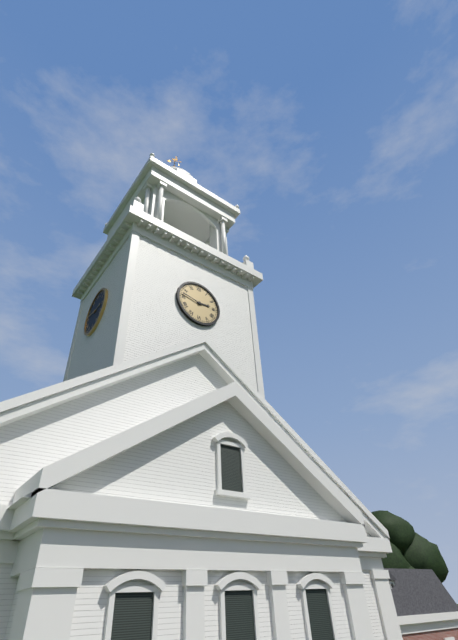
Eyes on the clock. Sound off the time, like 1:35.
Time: 2:47
